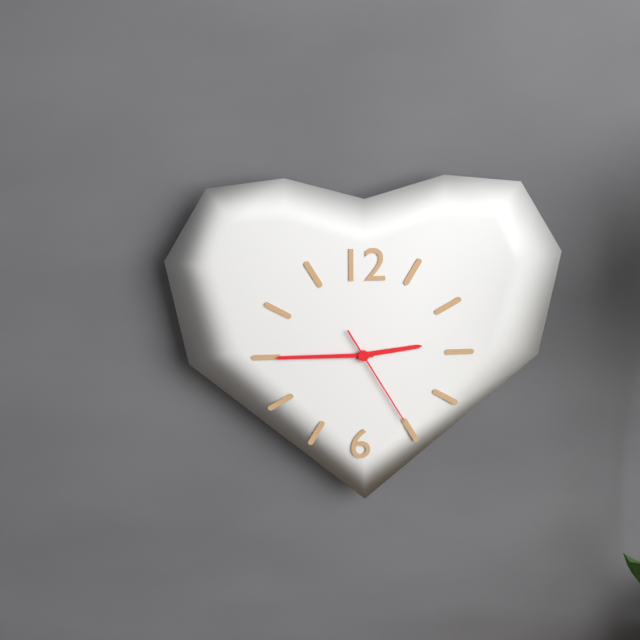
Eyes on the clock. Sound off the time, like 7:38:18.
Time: 2:45:25
